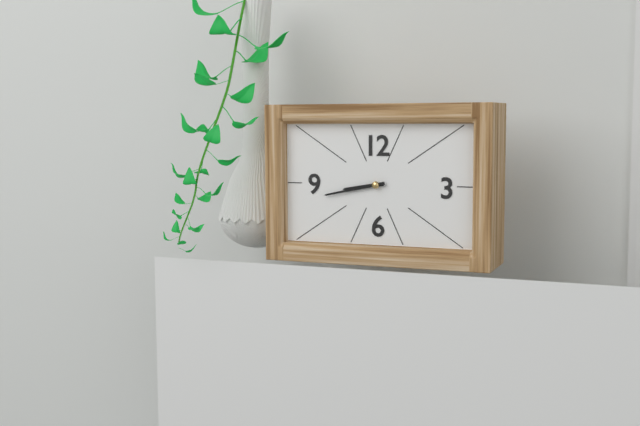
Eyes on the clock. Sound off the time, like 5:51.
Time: 8:43
